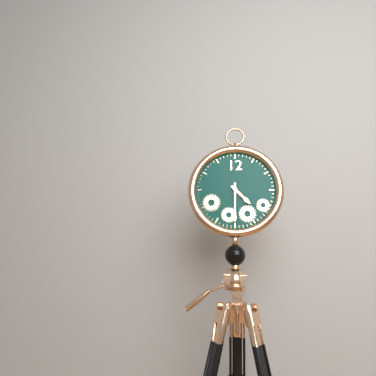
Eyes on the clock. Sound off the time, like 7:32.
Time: 4:30
